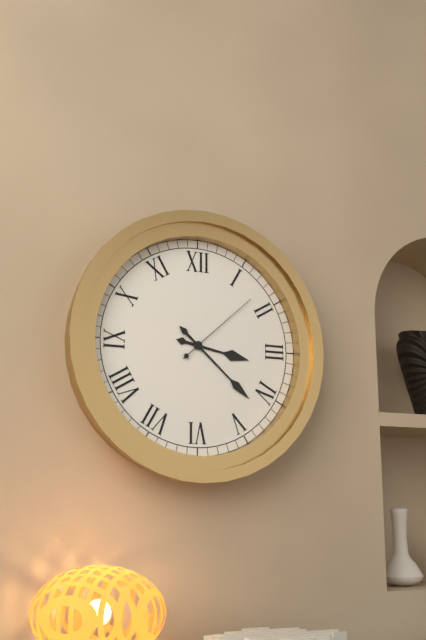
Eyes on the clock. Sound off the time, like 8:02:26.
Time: 3:22:08
